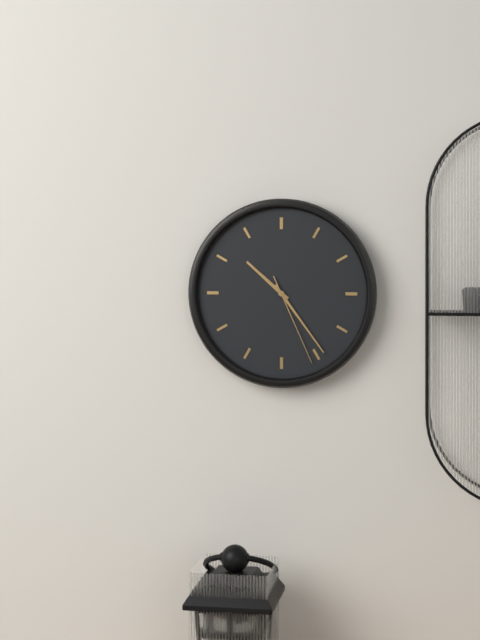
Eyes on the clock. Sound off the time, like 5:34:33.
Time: 10:24:26
